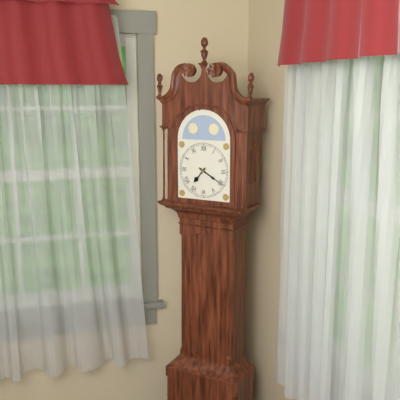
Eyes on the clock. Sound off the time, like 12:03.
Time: 7:20
